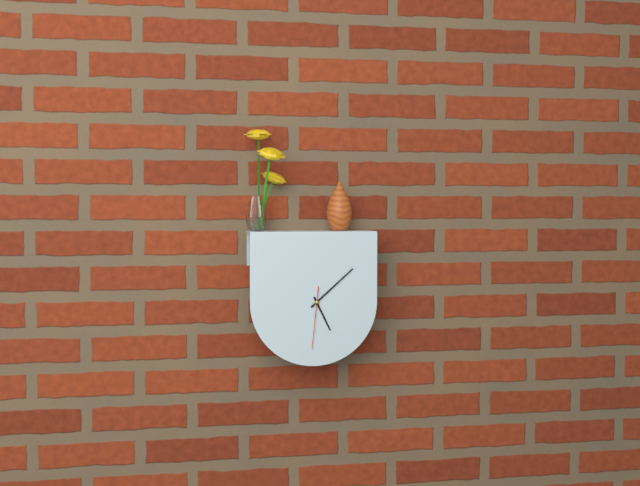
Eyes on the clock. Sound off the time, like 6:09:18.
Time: 5:08:31
